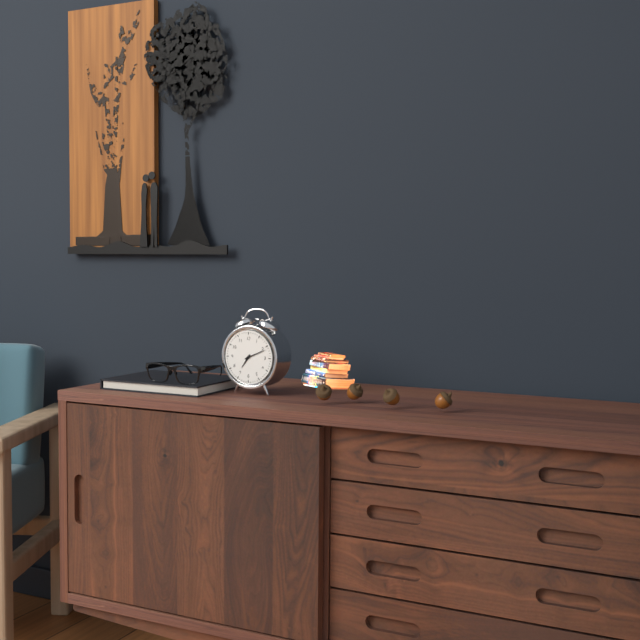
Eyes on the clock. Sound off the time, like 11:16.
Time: 7:11
